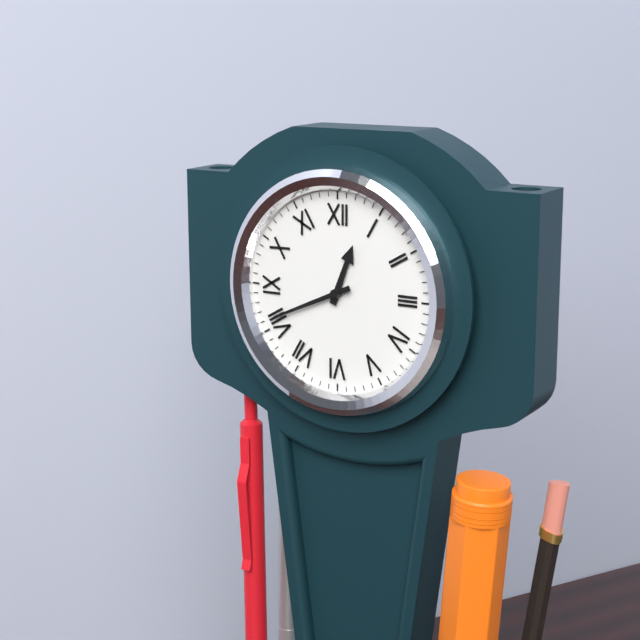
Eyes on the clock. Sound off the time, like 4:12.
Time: 12:41
